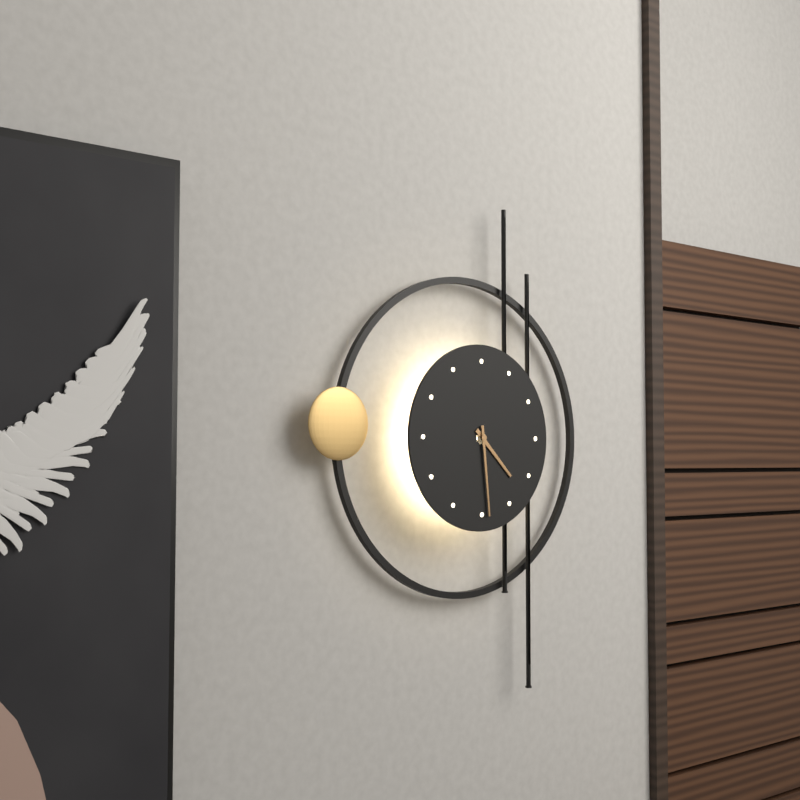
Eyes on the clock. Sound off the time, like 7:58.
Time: 4:29
